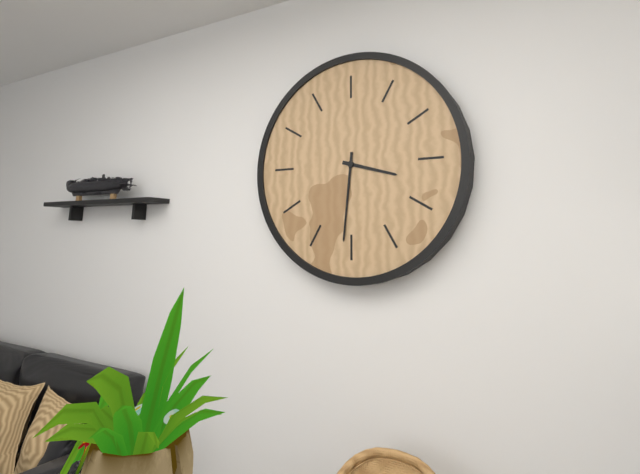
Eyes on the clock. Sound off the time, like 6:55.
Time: 3:31
